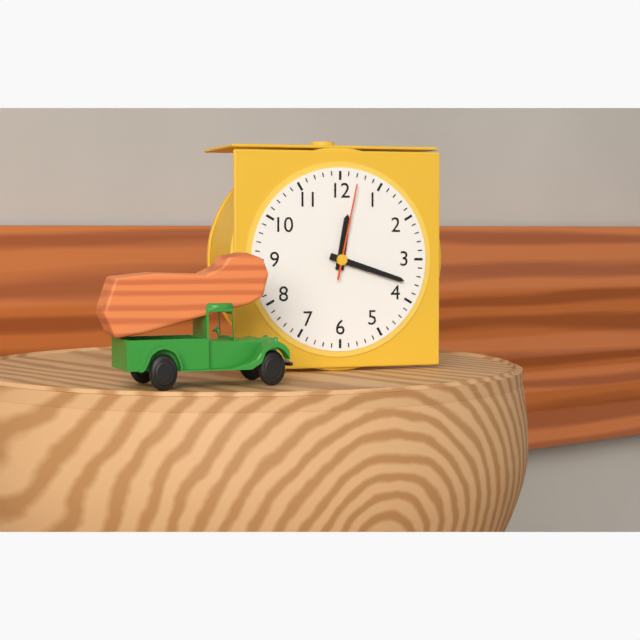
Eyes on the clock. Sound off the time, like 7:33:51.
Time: 12:18:02
